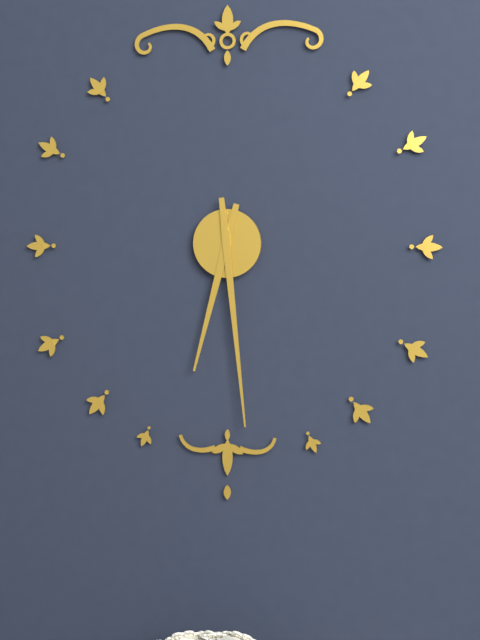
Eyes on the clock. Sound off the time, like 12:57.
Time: 6:29
